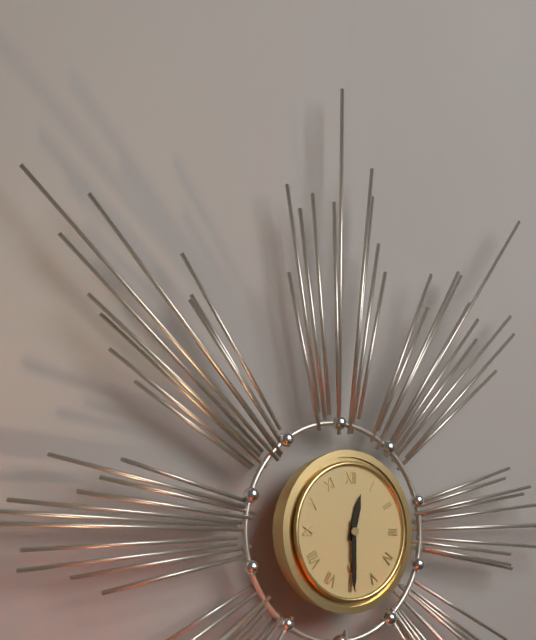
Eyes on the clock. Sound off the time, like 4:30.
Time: 12:30
